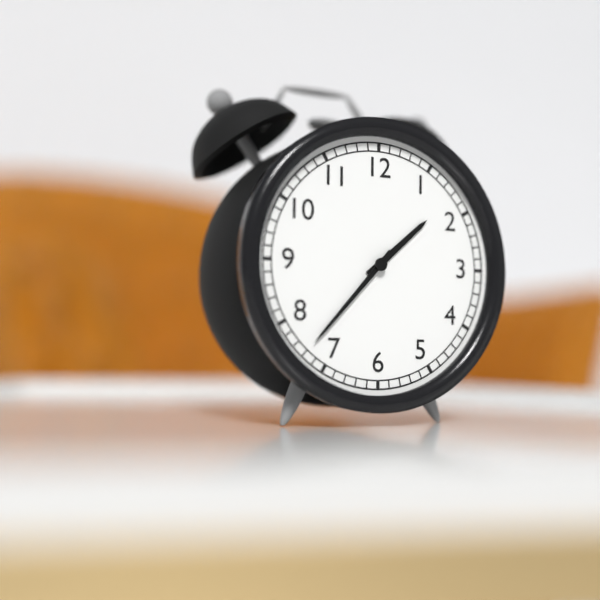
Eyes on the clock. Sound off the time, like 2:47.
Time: 1:37
